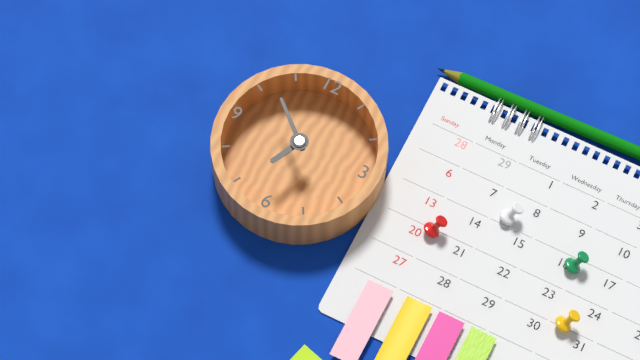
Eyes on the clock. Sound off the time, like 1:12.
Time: 6:52
